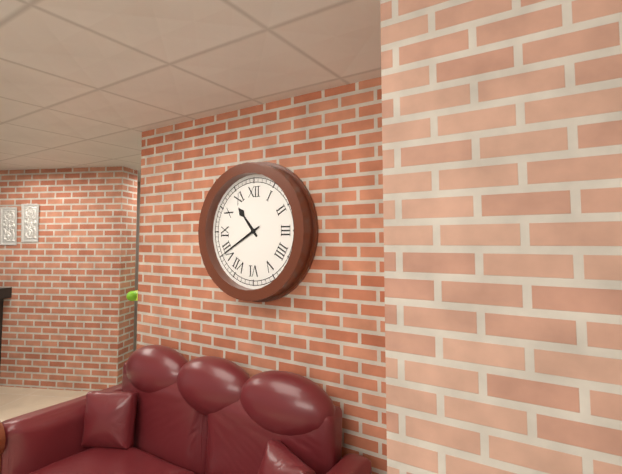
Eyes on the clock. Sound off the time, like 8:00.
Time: 10:40
